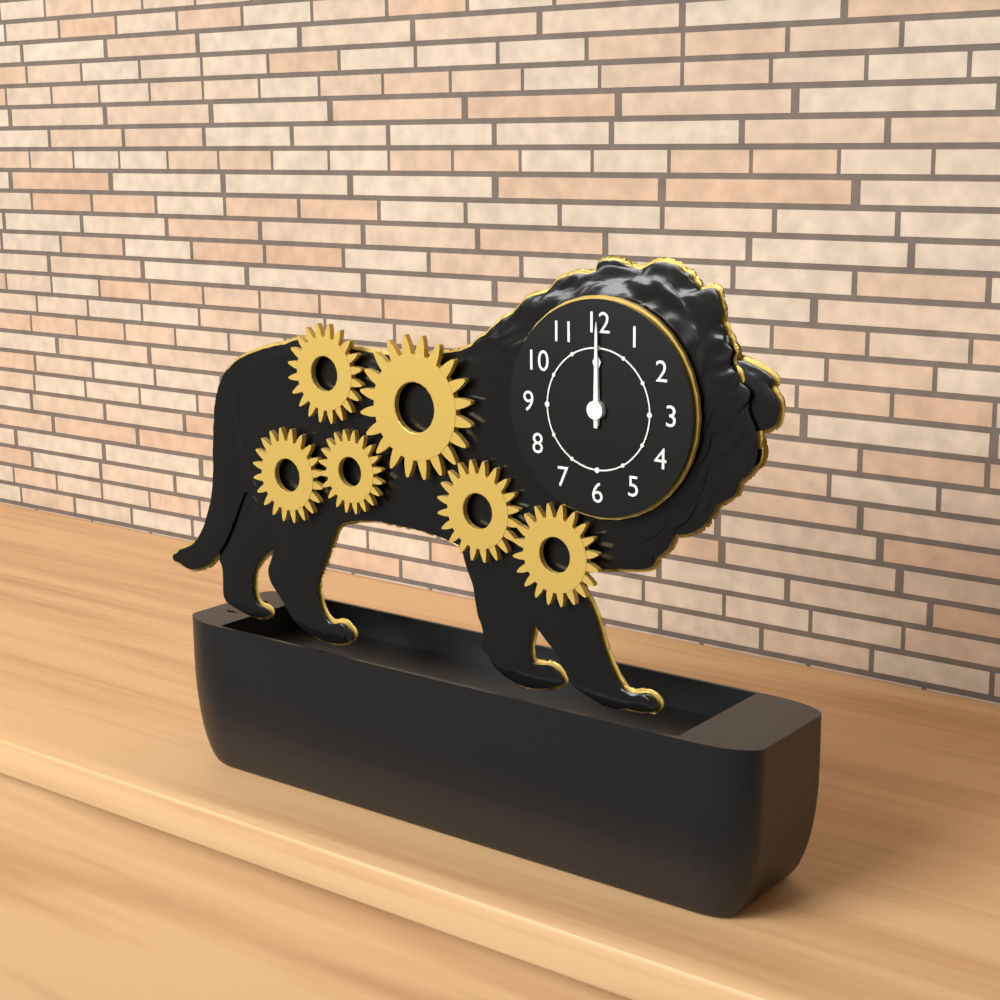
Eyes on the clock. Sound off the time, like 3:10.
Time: 12:00
